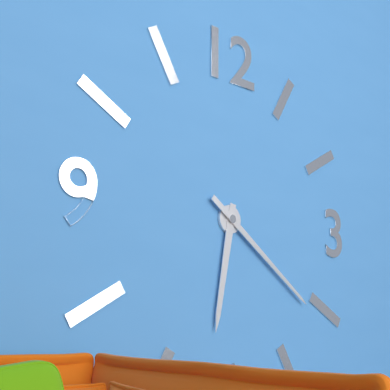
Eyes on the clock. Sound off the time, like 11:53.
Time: 6:21
